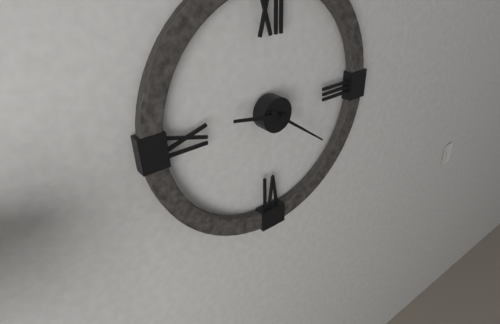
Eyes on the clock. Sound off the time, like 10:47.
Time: 9:21
